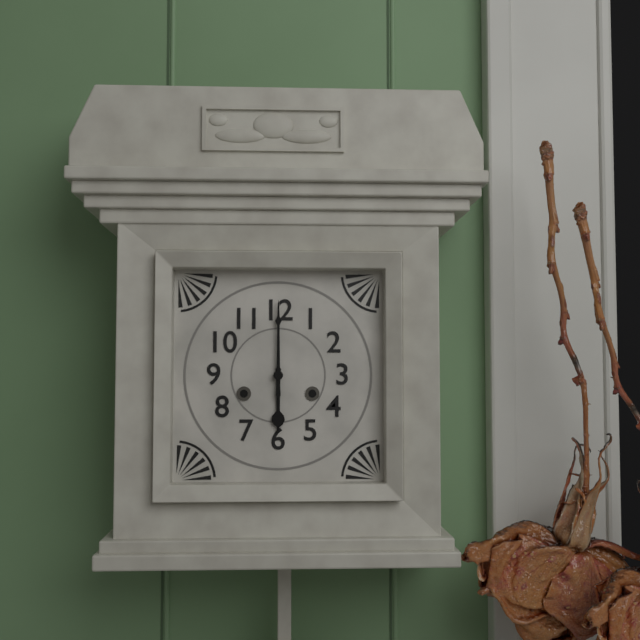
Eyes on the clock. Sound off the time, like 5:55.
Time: 6:00
